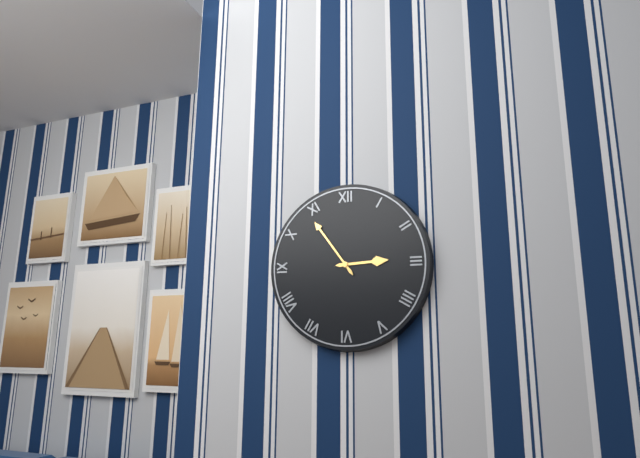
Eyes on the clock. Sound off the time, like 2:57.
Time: 2:54
